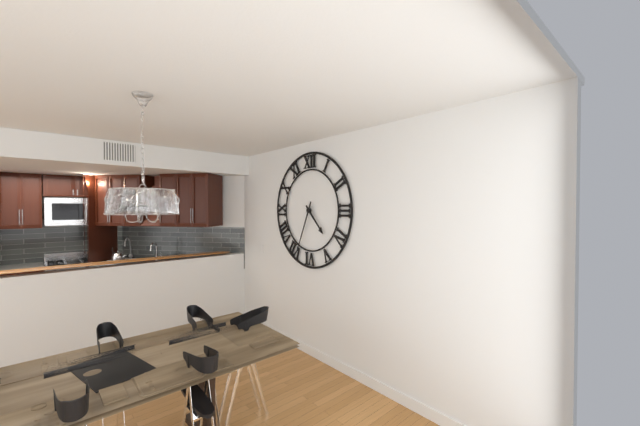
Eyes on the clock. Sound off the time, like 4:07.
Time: 4:34
